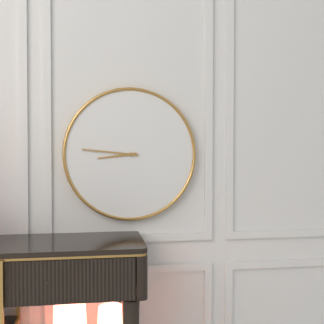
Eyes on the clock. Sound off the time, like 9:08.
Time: 8:46
